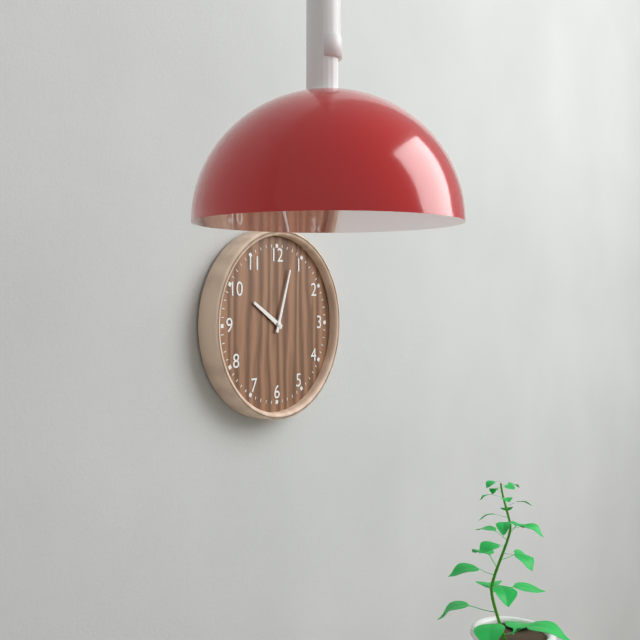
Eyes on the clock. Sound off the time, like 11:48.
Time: 10:03
